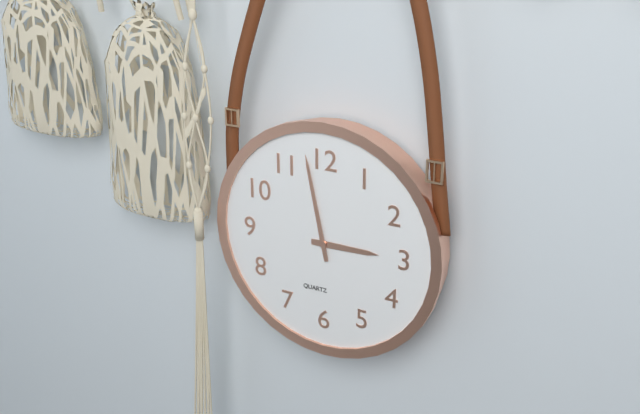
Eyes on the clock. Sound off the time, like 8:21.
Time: 2:58
